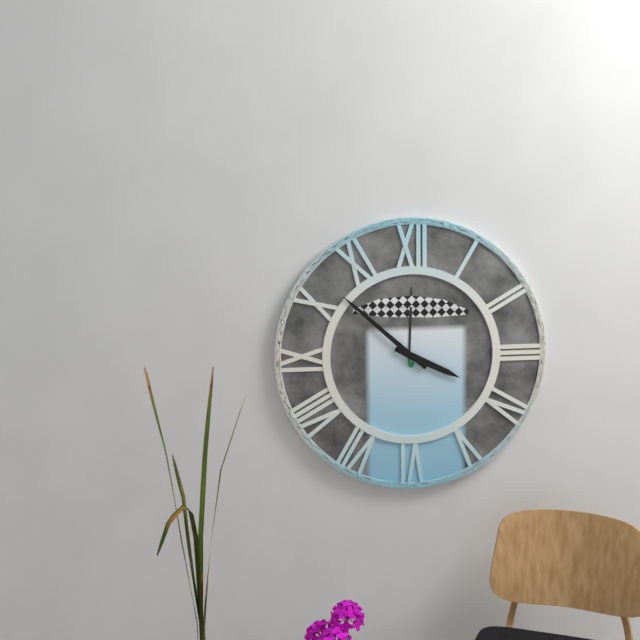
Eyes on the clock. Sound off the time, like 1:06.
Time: 3:52
